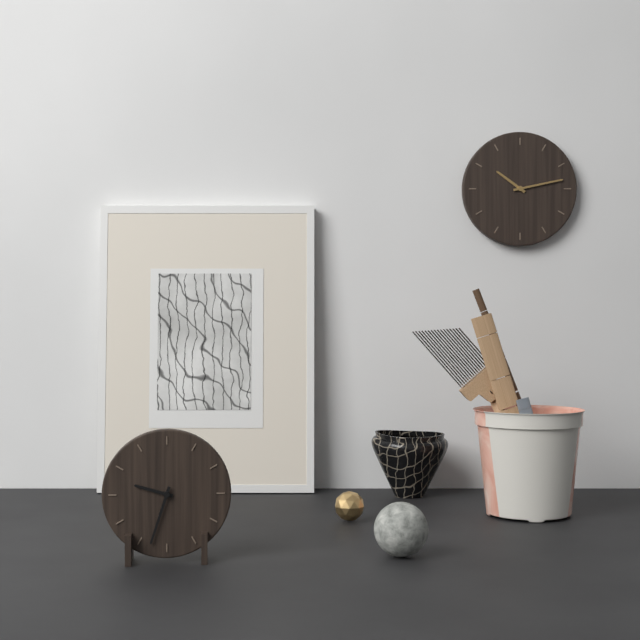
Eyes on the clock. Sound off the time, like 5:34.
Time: 9:33
